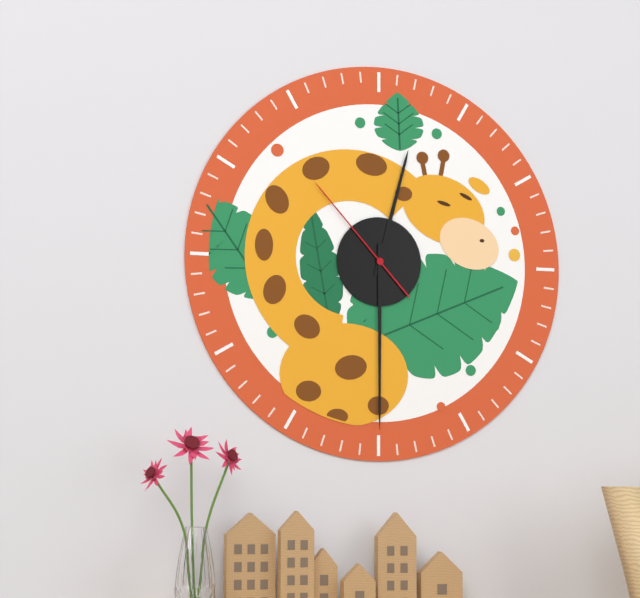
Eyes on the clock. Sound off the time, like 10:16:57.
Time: 12:30:53
